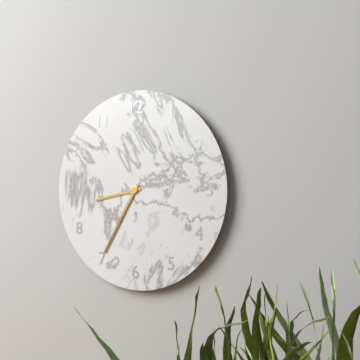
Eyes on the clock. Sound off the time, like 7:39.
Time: 8:35
